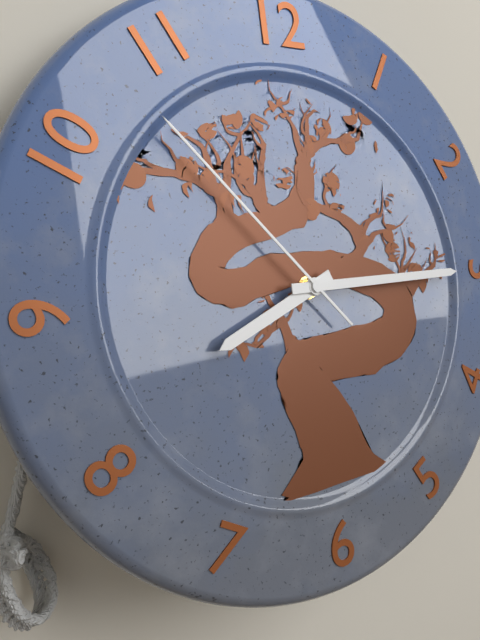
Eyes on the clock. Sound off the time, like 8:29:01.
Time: 8:15:53
